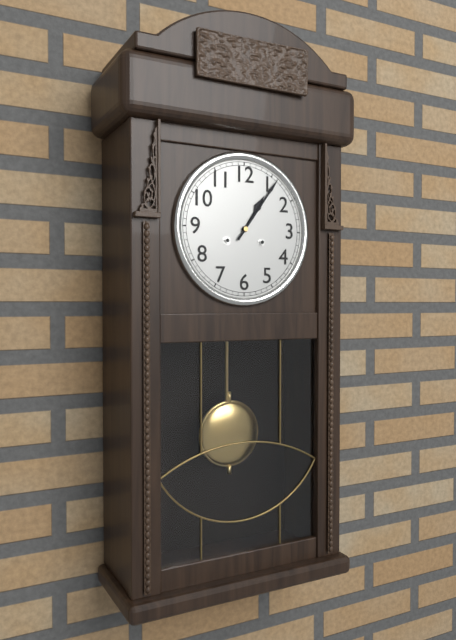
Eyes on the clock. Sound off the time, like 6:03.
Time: 1:06
